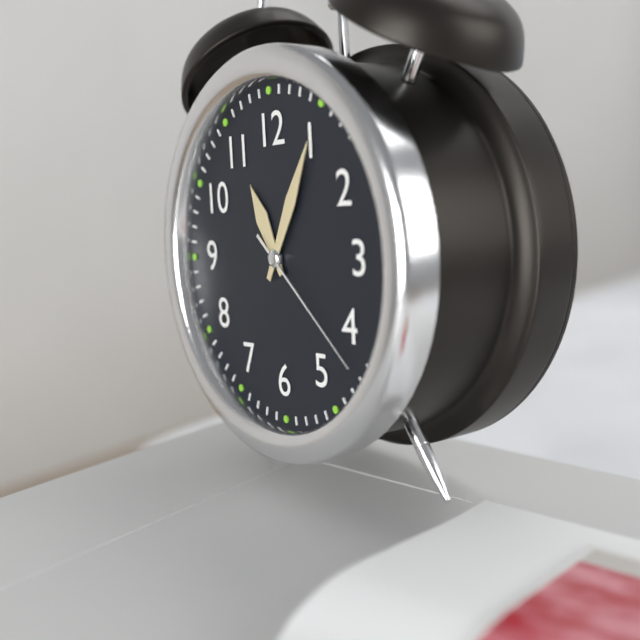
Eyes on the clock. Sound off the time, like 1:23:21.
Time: 11:05:22
